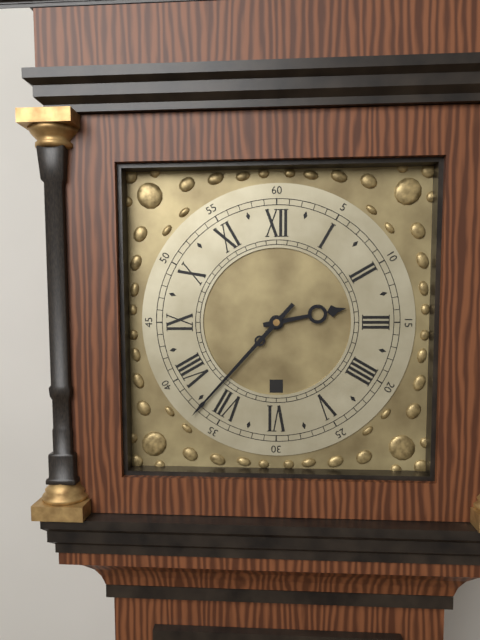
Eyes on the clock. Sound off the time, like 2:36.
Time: 2:37
